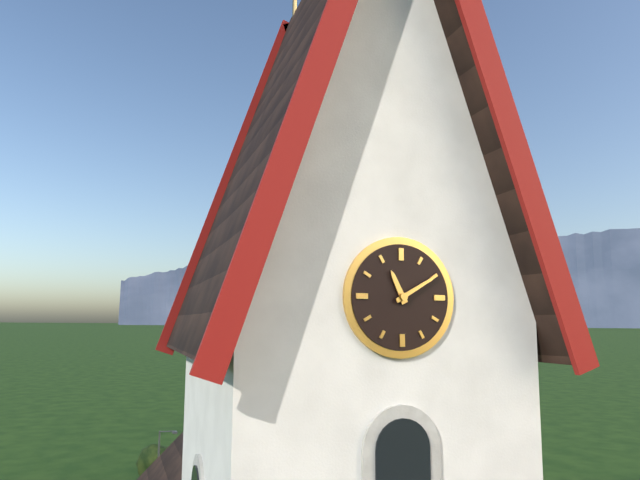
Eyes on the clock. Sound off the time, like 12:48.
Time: 11:10
